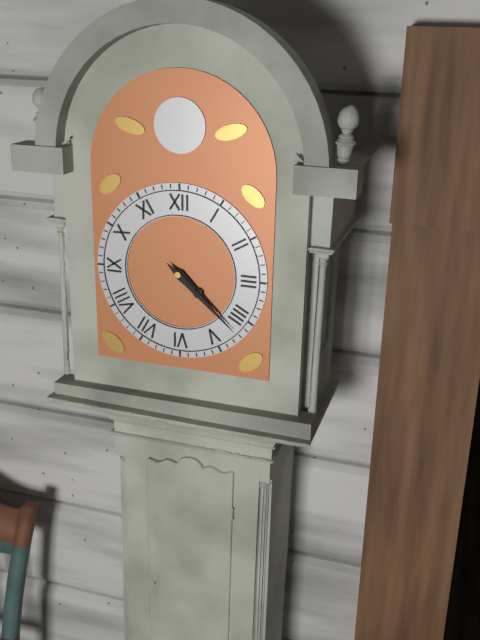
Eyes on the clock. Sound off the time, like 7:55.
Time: 4:22
